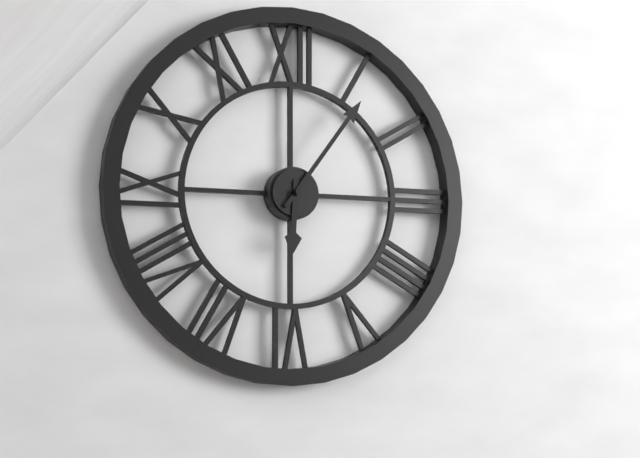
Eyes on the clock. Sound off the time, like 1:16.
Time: 6:06
